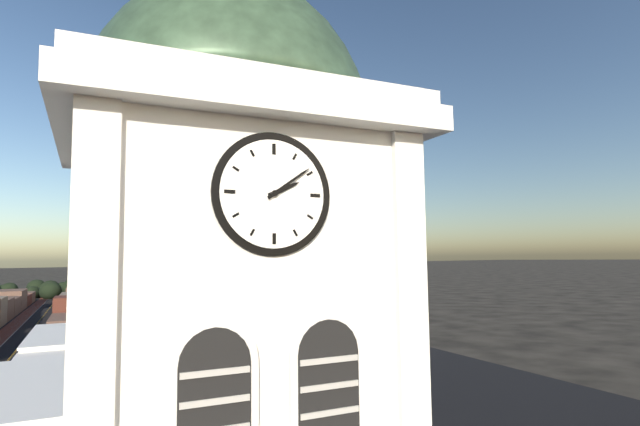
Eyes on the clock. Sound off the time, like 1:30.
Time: 2:09
